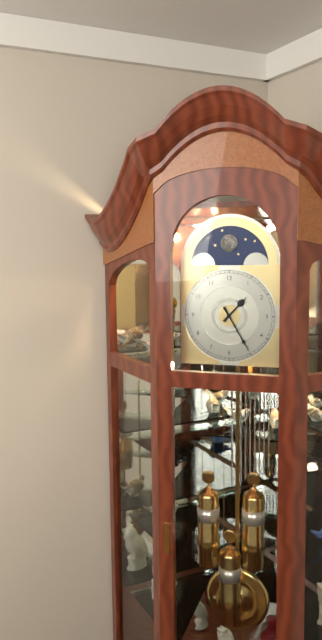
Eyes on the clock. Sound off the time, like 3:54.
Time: 1:25
